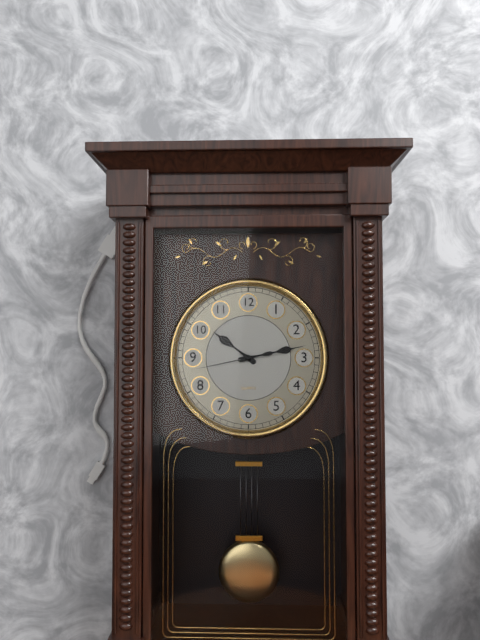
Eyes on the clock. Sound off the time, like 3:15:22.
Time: 10:13:43
